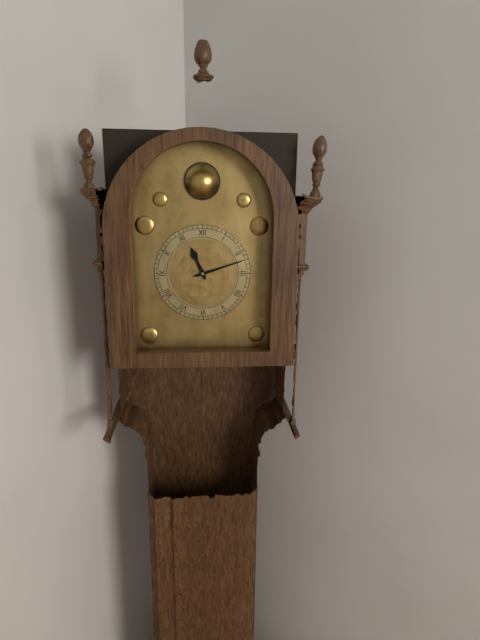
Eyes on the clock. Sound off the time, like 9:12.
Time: 11:12
